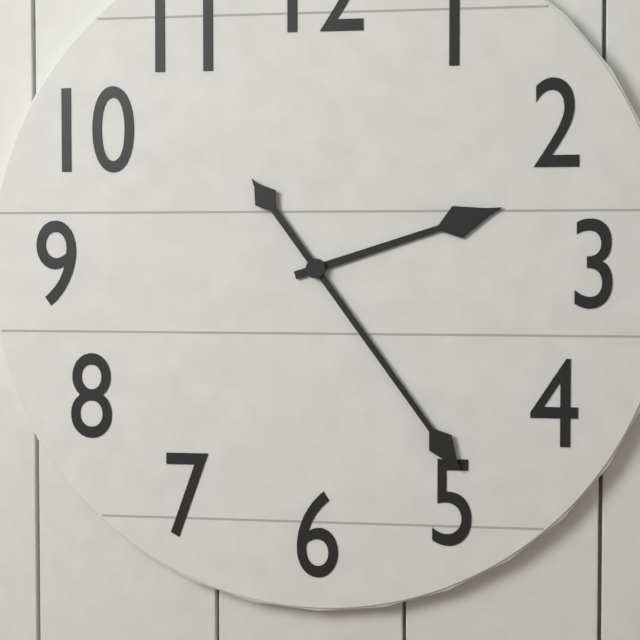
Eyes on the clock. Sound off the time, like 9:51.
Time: 2:24
